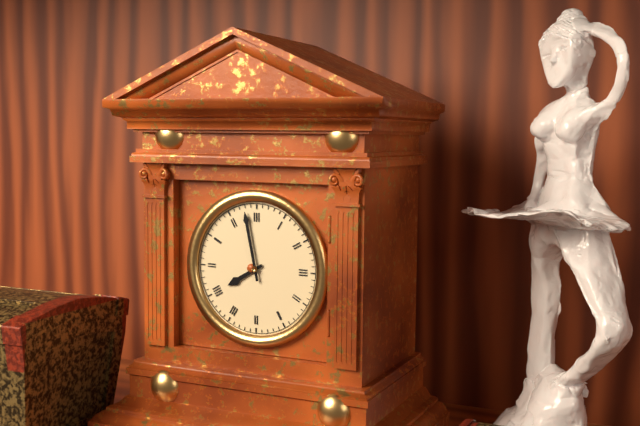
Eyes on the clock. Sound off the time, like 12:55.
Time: 7:58
